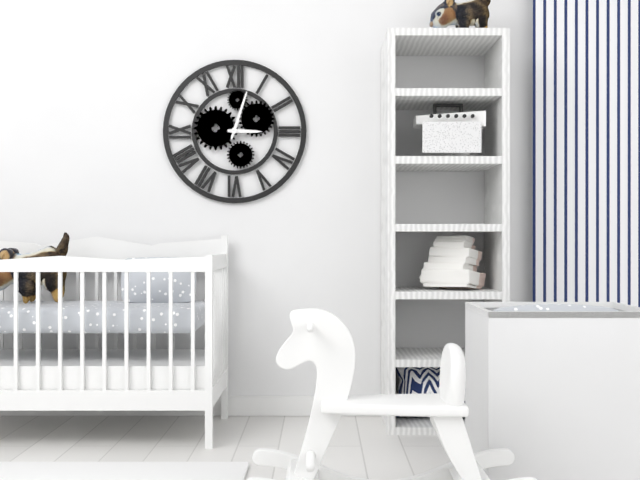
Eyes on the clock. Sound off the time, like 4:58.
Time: 3:03
